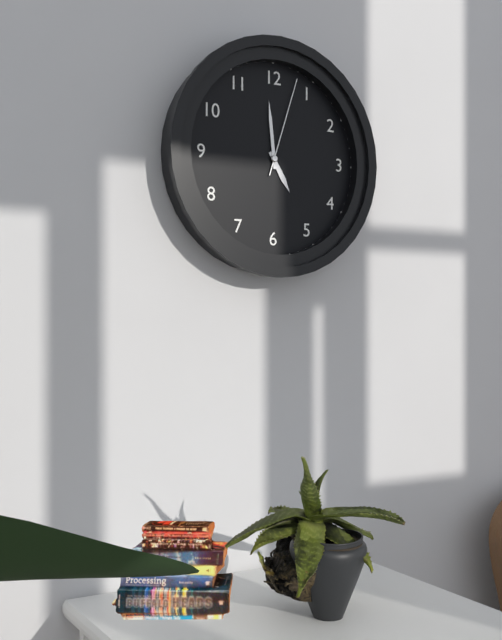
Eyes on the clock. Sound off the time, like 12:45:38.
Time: 4:59:03
